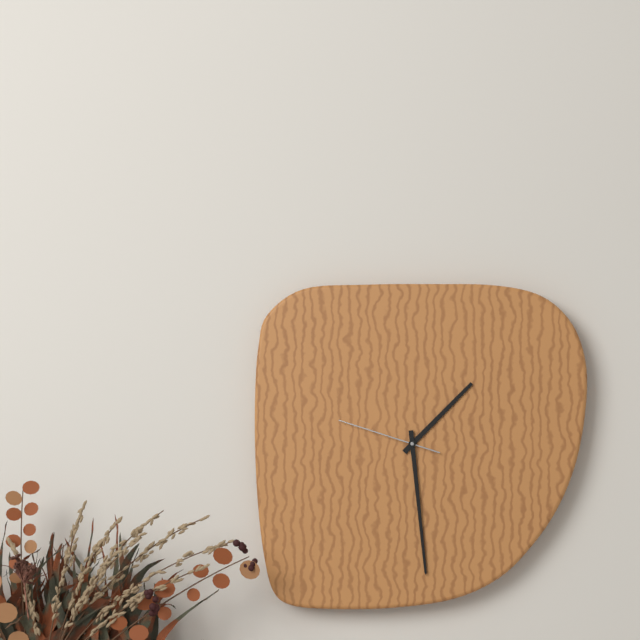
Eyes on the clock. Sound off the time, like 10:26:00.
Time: 1:29:48
